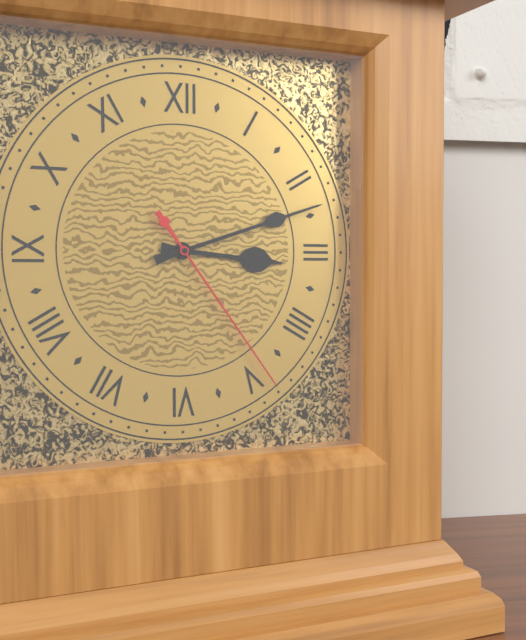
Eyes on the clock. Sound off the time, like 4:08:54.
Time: 3:12:24
